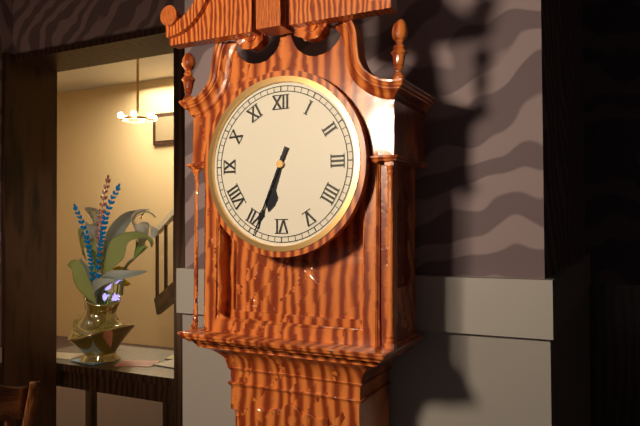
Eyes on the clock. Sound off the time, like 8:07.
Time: 6:34
